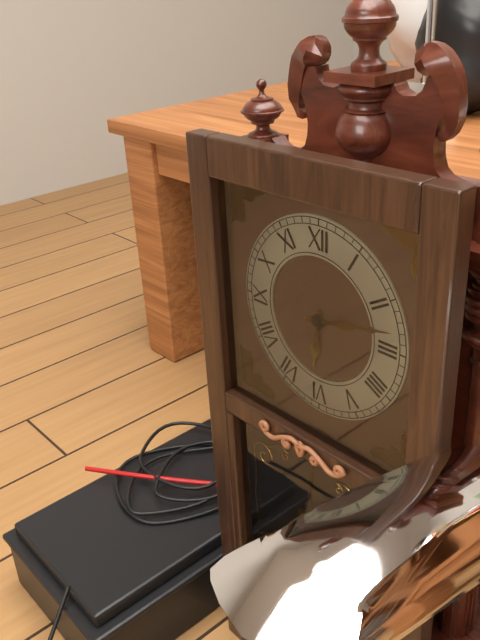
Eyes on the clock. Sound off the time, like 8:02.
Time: 6:13
